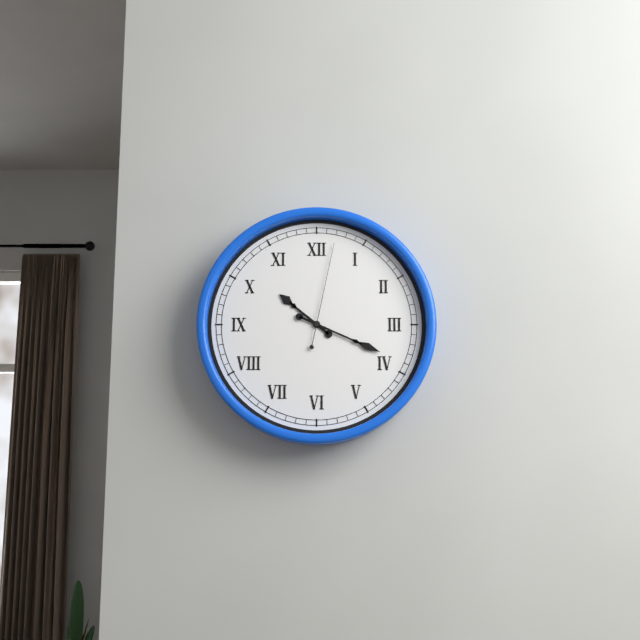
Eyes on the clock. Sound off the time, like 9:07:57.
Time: 10:19:02
